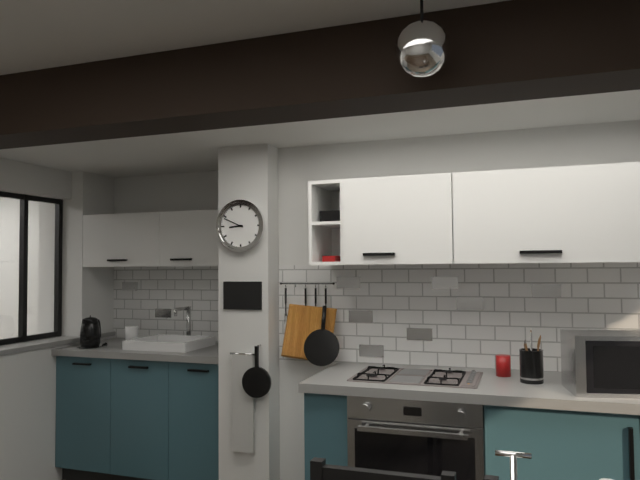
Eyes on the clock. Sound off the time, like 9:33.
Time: 8:49
